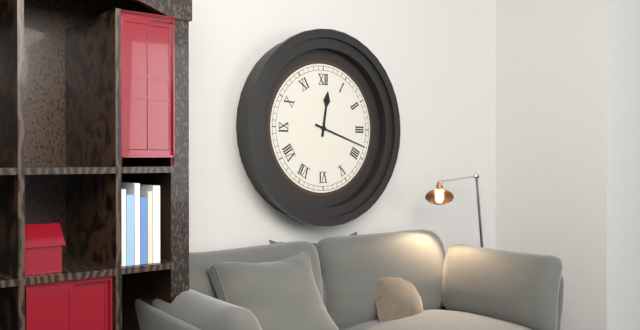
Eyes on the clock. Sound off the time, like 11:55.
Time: 12:18
